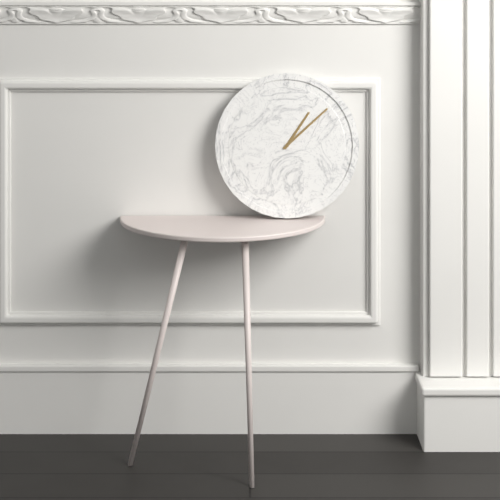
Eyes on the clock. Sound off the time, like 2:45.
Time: 1:08
